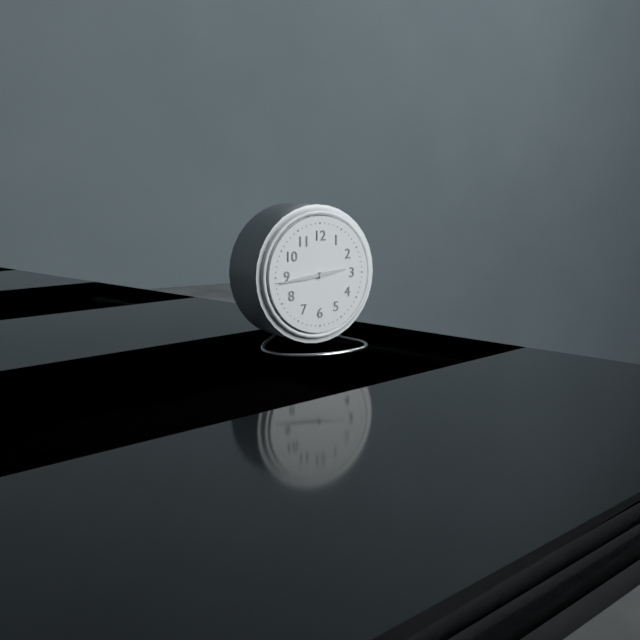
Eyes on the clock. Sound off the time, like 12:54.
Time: 2:44
